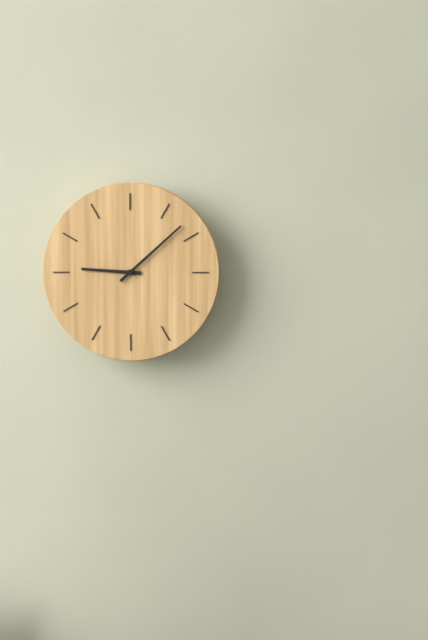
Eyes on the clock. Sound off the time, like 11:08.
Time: 9:08
